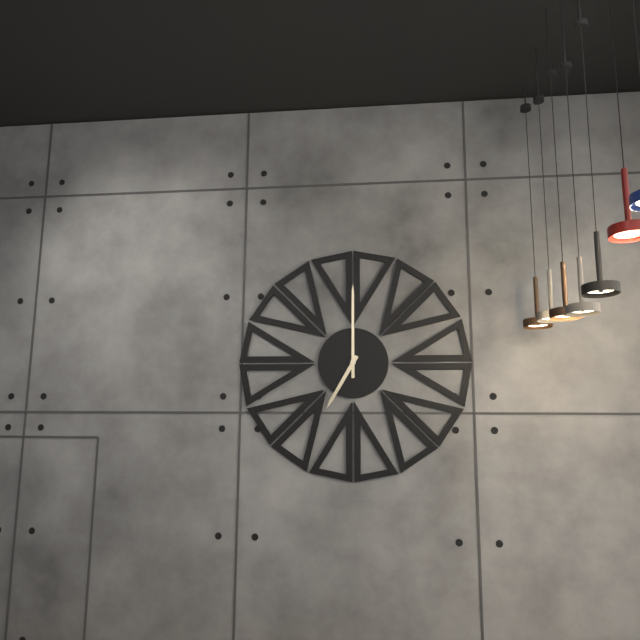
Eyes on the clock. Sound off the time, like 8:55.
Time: 7:00
